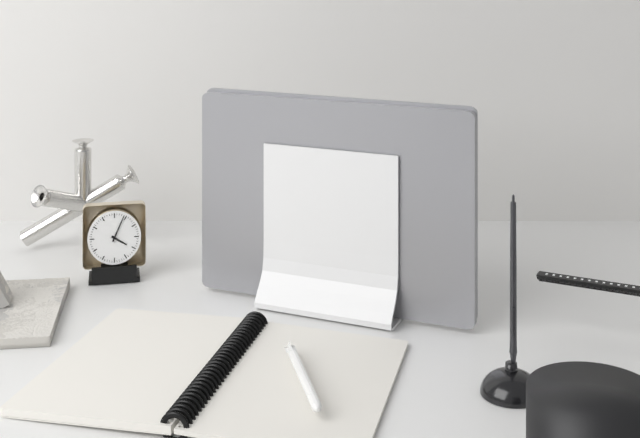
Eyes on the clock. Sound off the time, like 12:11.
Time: 4:04
